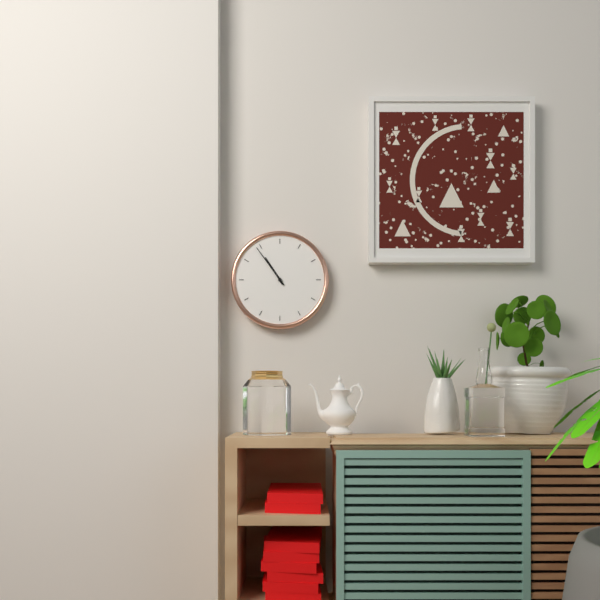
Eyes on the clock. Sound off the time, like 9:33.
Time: 10:54
